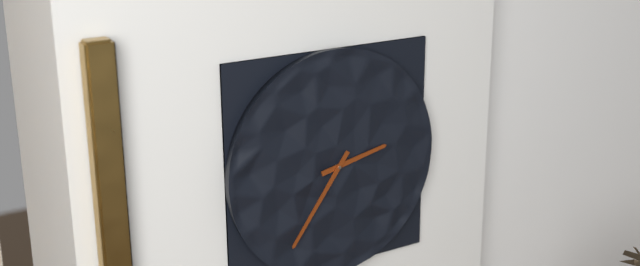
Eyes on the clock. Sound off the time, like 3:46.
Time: 2:36
